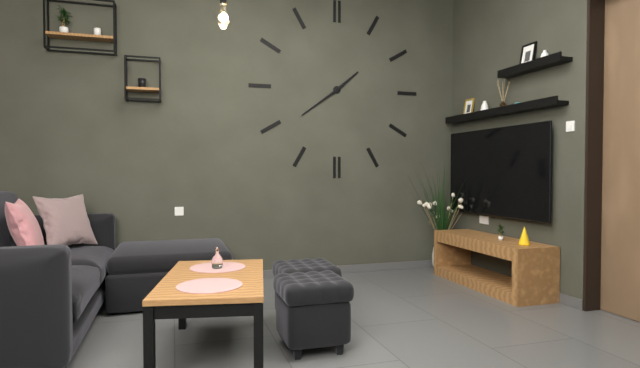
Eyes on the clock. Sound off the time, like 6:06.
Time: 1:39
